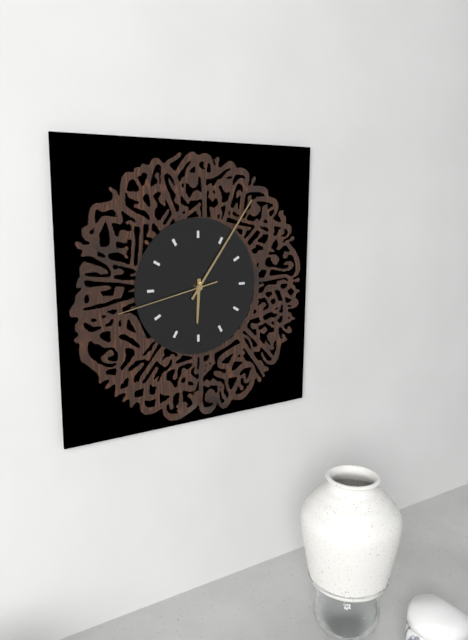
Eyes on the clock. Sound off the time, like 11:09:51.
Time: 6:06:43
